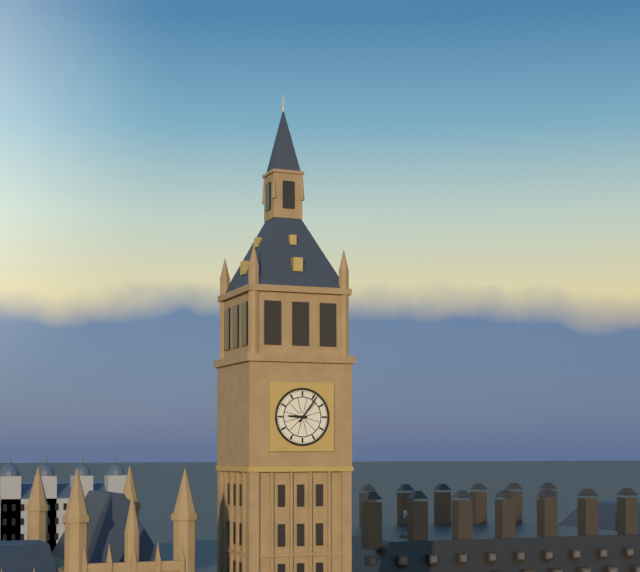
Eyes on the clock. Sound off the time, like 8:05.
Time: 9:06
